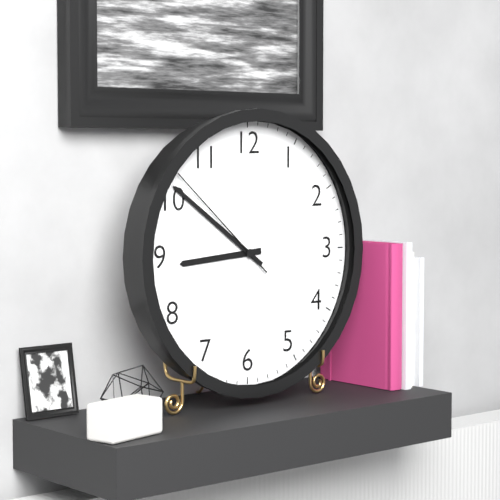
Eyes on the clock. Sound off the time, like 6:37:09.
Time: 8:51:52
